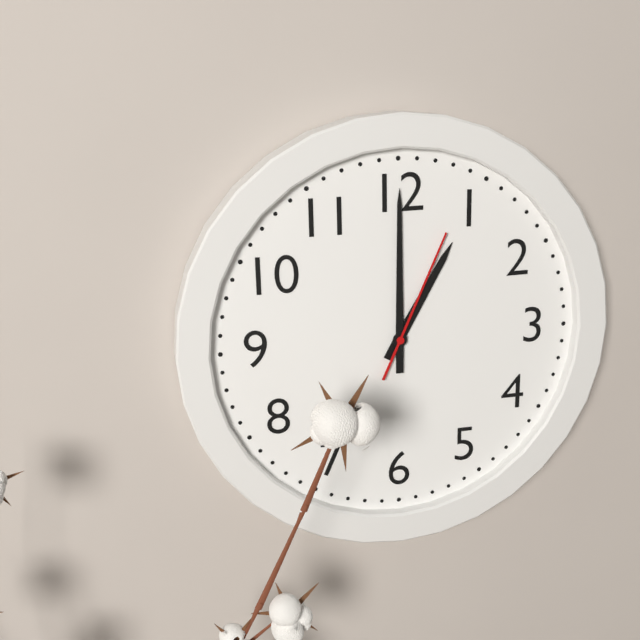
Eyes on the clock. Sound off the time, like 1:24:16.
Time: 1:00:04
